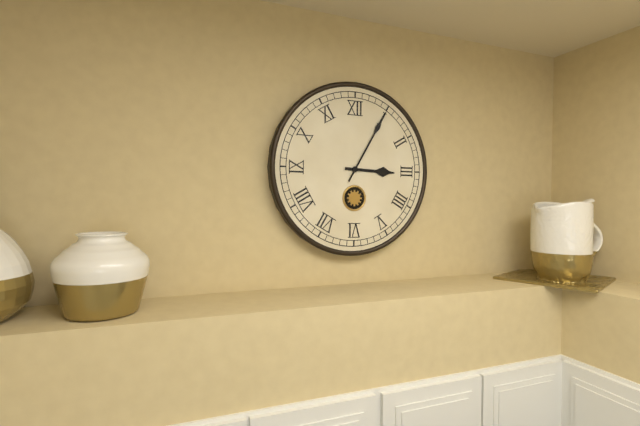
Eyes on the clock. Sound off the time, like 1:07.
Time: 3:05
